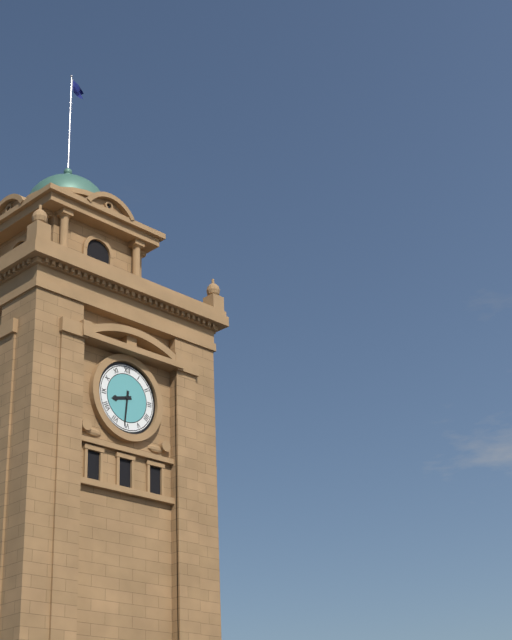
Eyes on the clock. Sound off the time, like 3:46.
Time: 8:31
